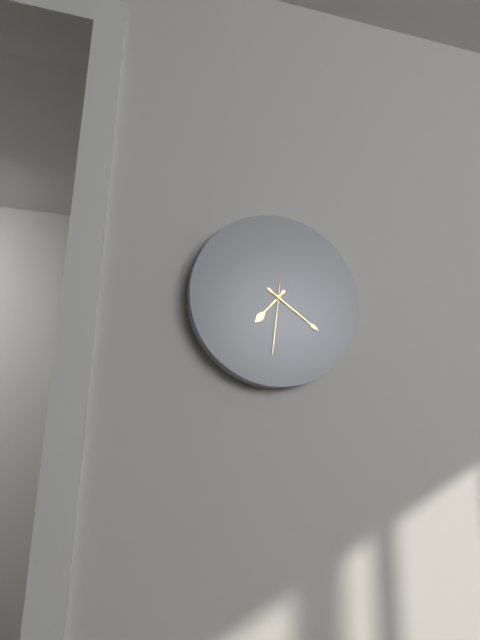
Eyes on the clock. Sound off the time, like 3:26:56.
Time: 7:21:31
